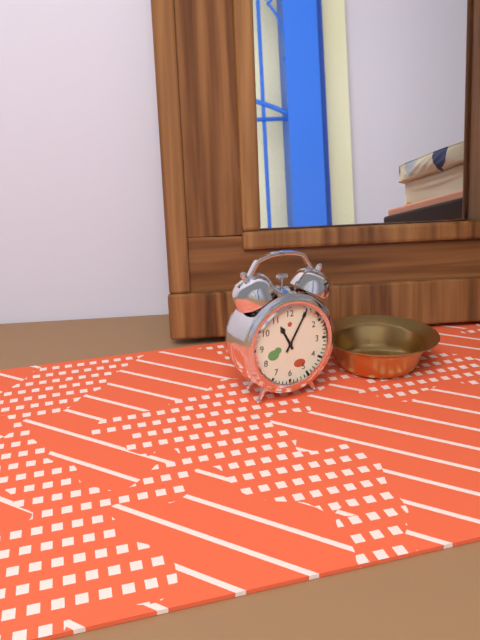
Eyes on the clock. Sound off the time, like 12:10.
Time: 11:05
